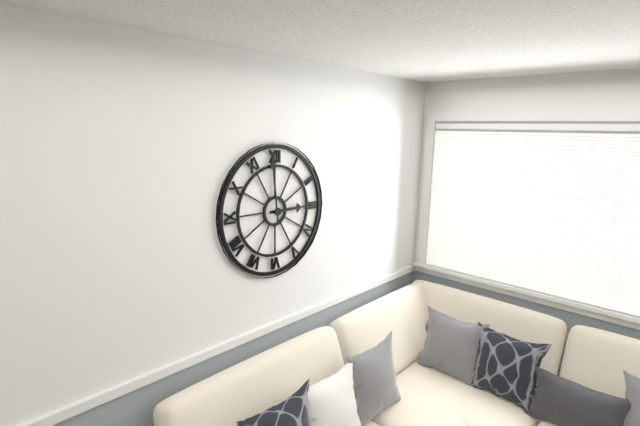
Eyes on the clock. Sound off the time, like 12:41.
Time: 2:59
